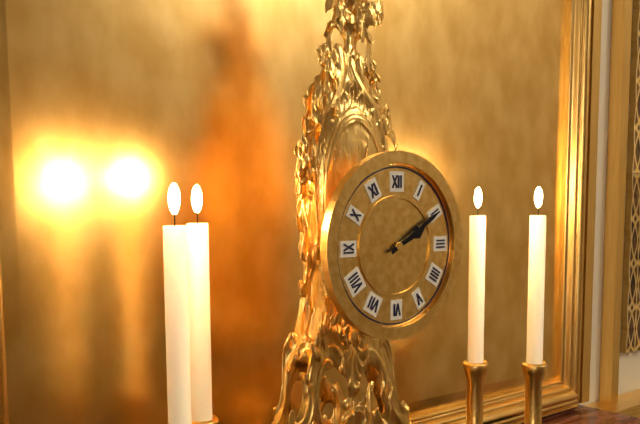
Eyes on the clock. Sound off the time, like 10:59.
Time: 2:10
